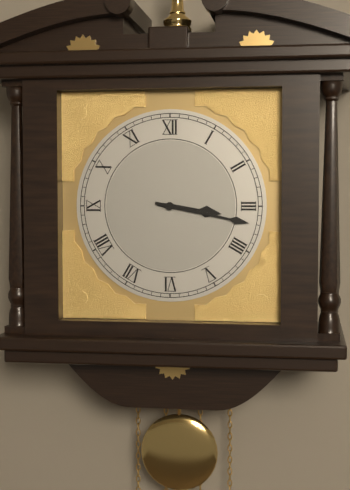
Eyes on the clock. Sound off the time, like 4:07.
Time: 3:17
